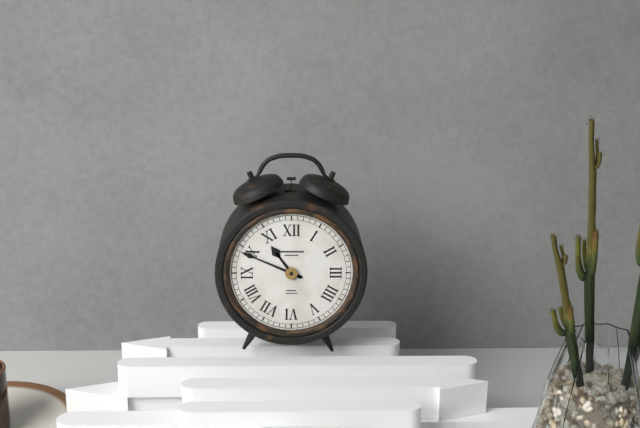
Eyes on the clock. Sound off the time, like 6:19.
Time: 10:49
